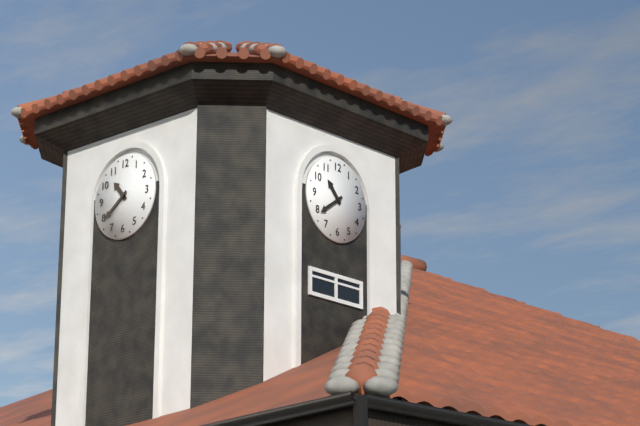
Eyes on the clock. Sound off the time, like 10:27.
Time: 10:39
